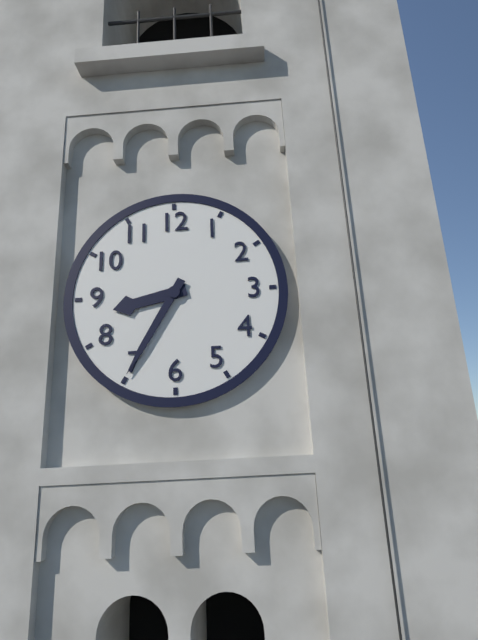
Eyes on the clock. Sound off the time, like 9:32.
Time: 8:35
